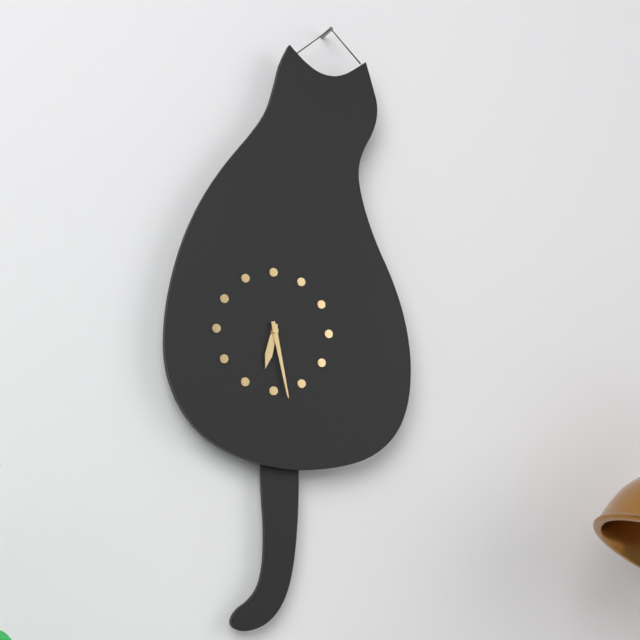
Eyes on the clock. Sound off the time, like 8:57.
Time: 6:28
